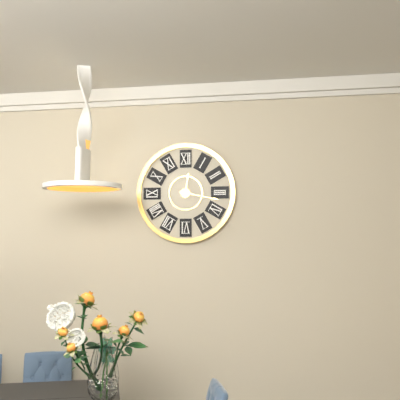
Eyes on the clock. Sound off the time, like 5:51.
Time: 12:17
